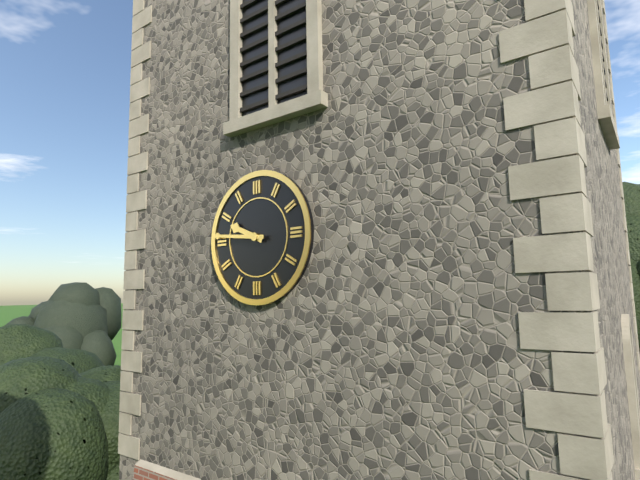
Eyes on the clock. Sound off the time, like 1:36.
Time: 9:46
